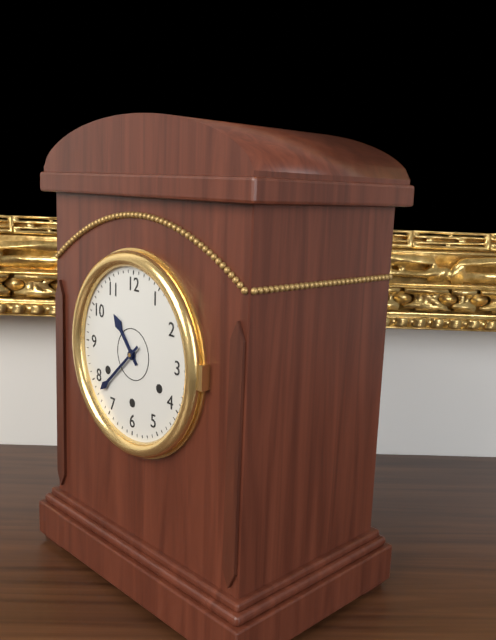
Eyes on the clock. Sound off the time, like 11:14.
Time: 10:38
